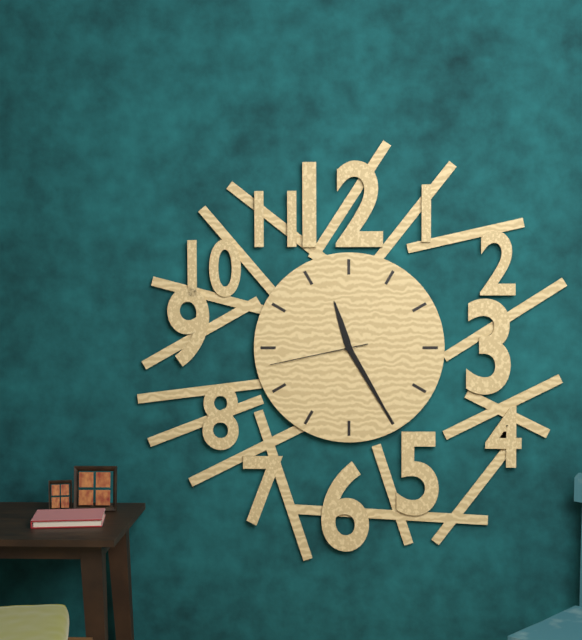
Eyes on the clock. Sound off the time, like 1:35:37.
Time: 11:25:43
